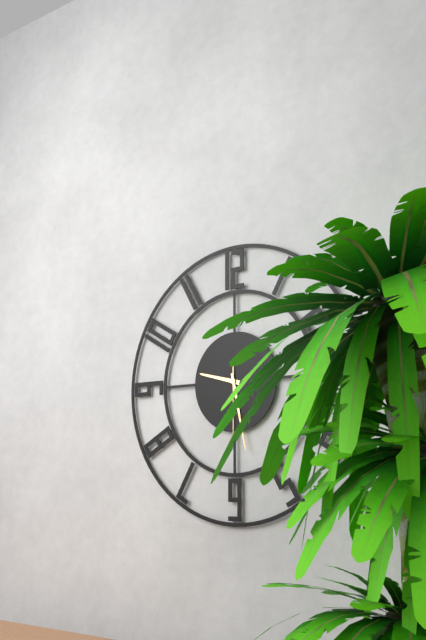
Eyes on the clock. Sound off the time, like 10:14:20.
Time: 9:28:30
